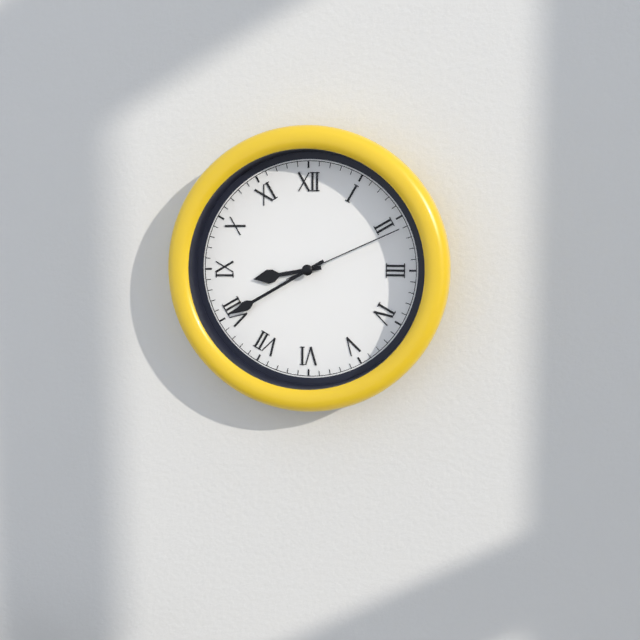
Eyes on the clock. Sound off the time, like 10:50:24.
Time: 8:40:11
